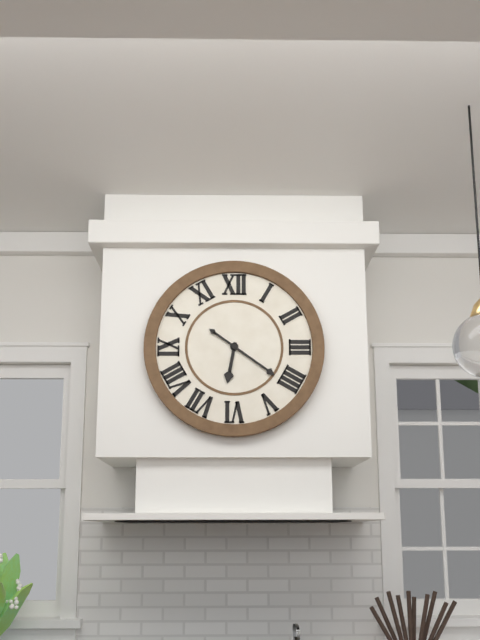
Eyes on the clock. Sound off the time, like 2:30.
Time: 6:21
